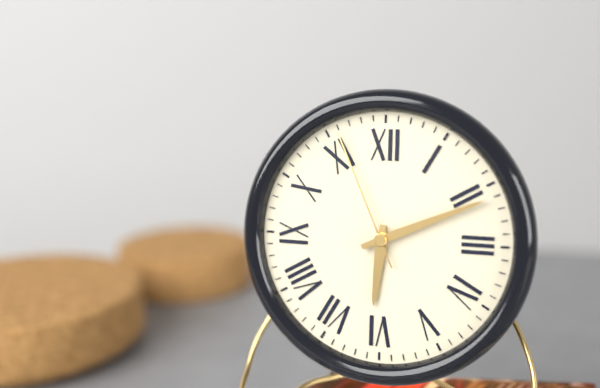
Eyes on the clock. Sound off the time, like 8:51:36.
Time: 6:11:56
